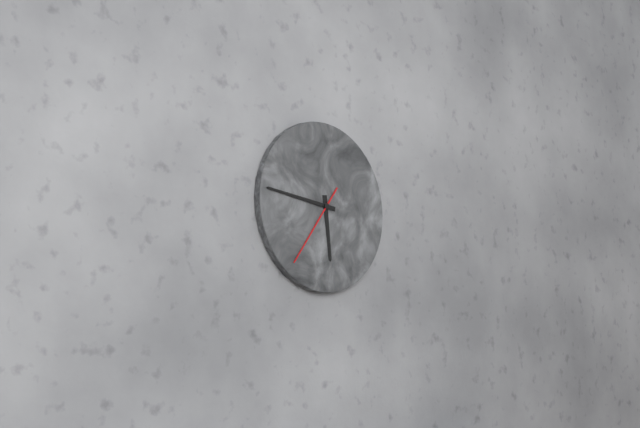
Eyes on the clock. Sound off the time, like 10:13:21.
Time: 5:46:36
